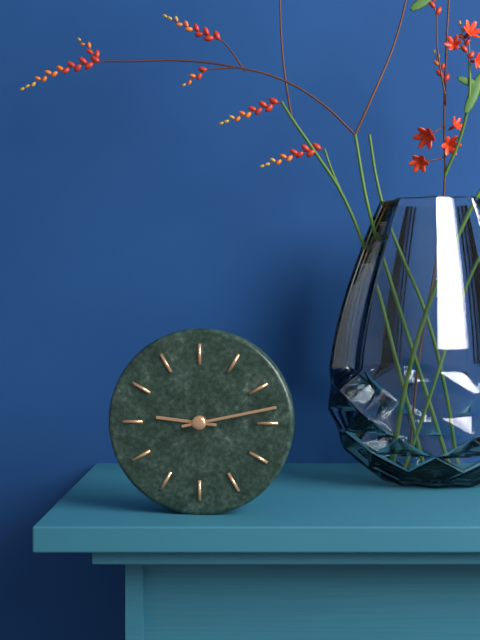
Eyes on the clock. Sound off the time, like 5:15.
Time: 9:13
